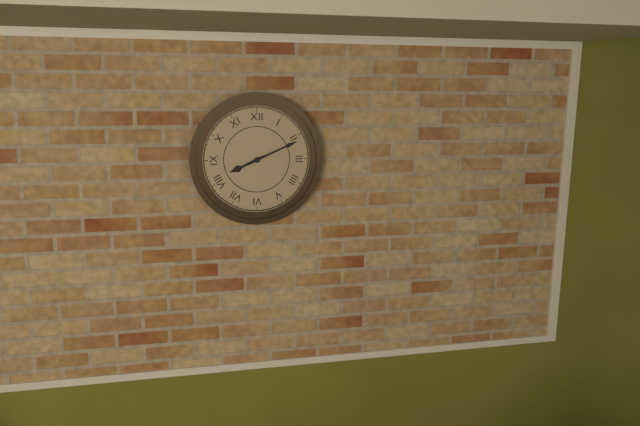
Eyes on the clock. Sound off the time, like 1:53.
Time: 8:11
